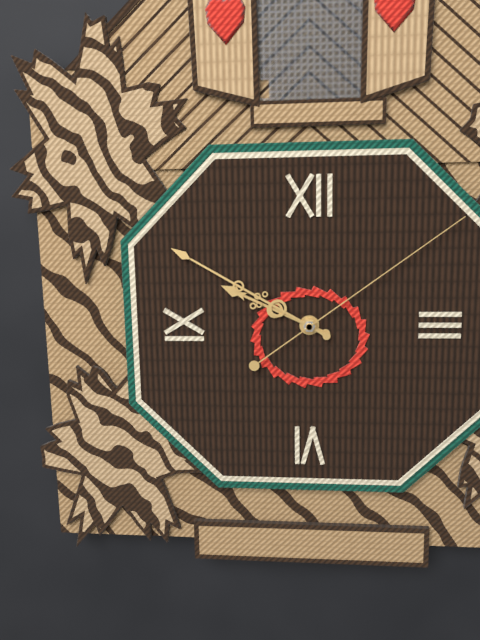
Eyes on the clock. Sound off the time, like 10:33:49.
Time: 9:50:09
